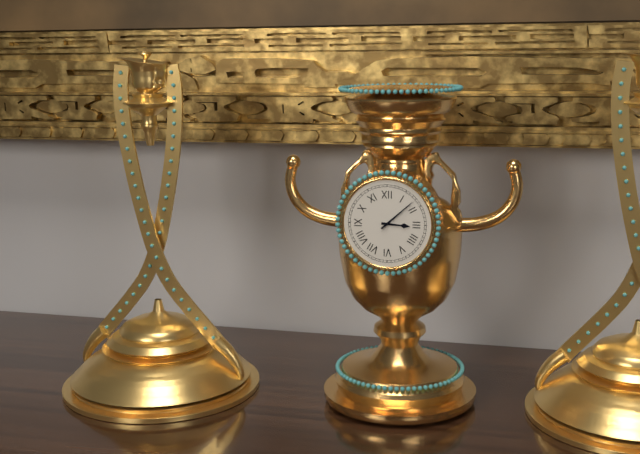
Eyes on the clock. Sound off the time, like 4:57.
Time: 3:08
